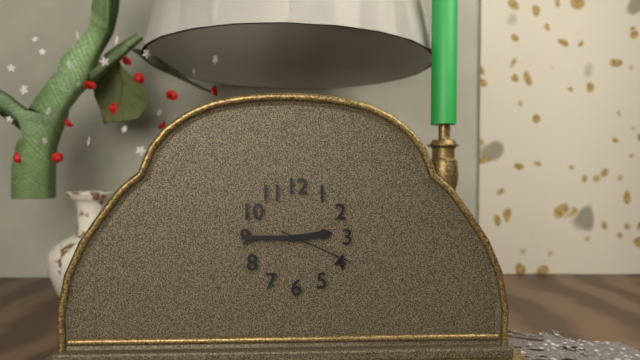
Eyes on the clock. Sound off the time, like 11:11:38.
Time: 2:45:19
